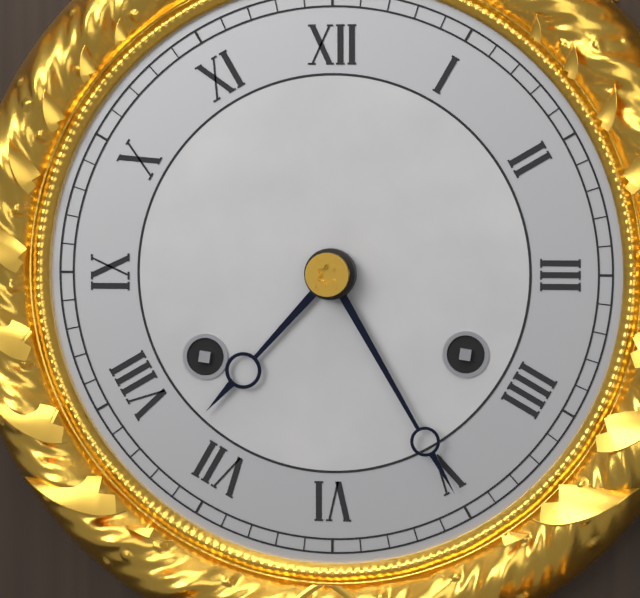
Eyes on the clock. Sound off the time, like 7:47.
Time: 7:25
